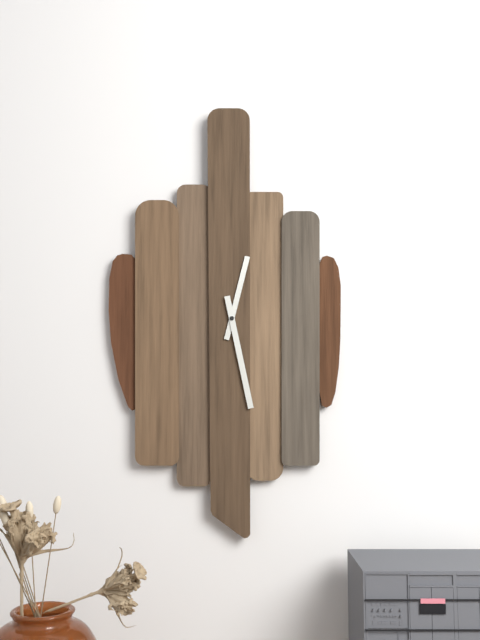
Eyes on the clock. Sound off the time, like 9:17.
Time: 12:28
